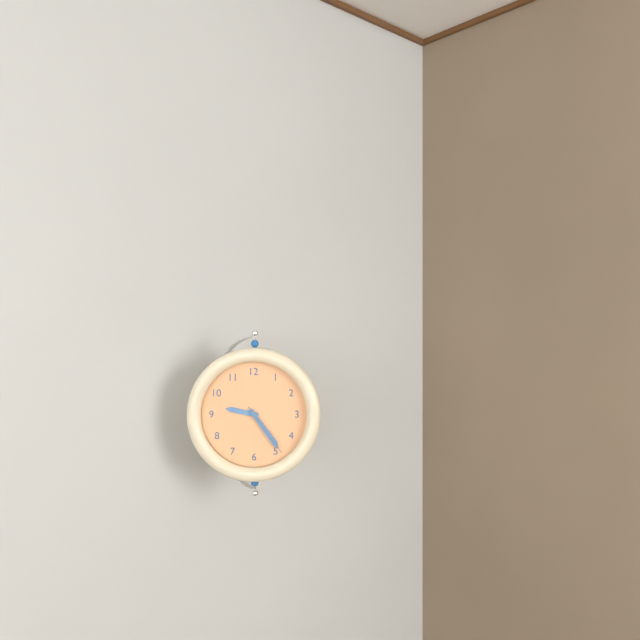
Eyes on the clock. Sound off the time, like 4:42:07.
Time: 9:24:24
